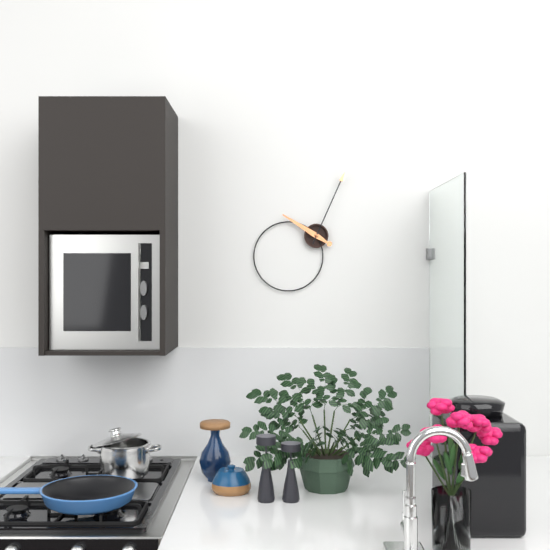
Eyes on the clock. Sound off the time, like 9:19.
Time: 10:04
